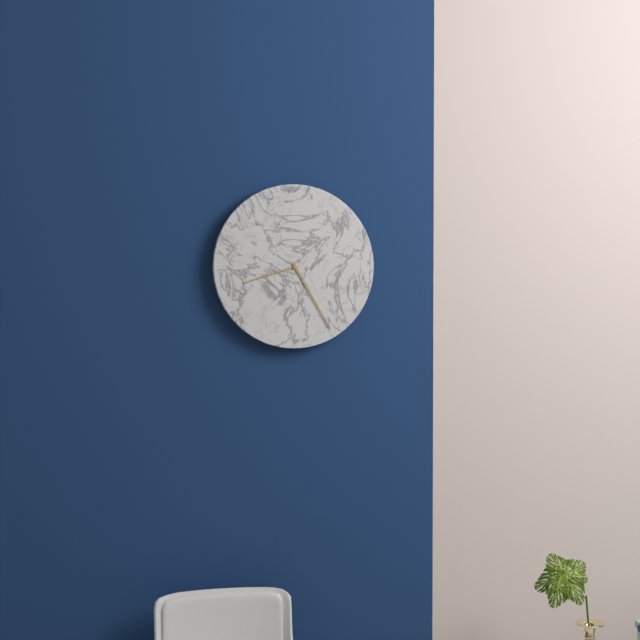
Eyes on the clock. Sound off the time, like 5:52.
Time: 8:25
